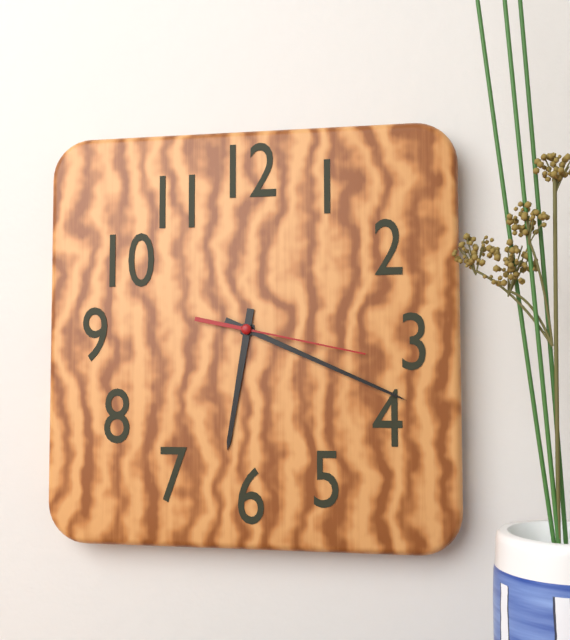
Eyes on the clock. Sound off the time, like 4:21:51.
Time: 6:19:17
